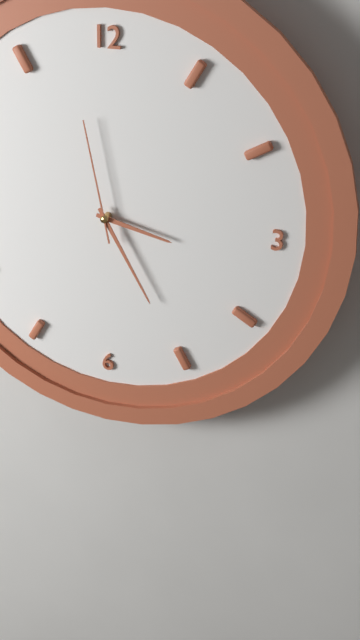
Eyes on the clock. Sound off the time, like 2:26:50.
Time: 3:25:58
